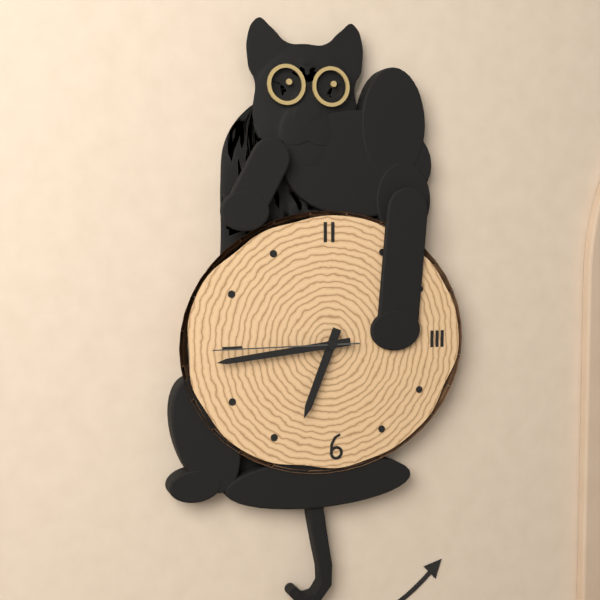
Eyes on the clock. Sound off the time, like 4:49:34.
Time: 6:44:45
